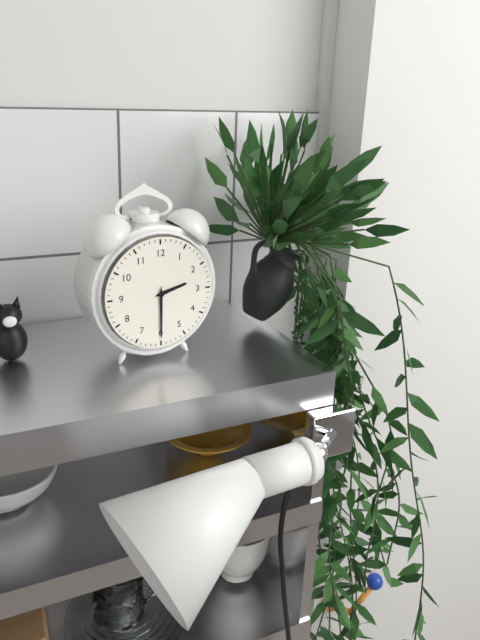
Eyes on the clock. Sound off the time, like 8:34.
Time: 2:30
